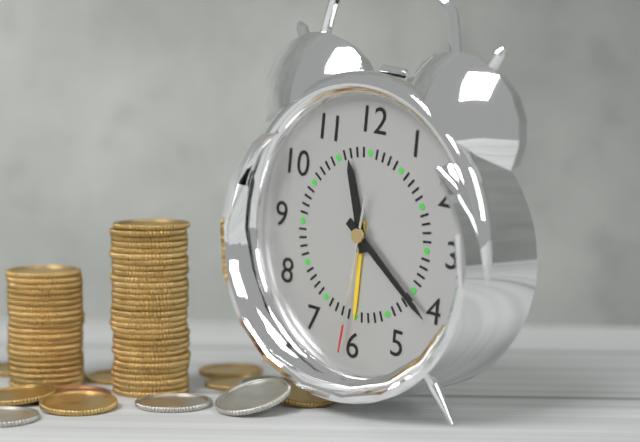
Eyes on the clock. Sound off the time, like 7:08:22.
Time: 11:21:31
